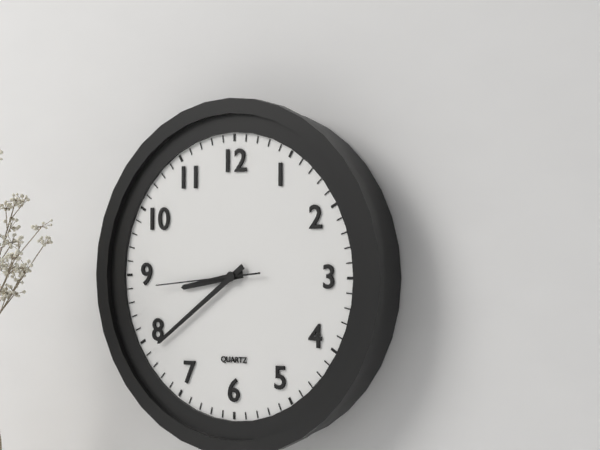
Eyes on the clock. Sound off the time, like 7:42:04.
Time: 8:39:44
